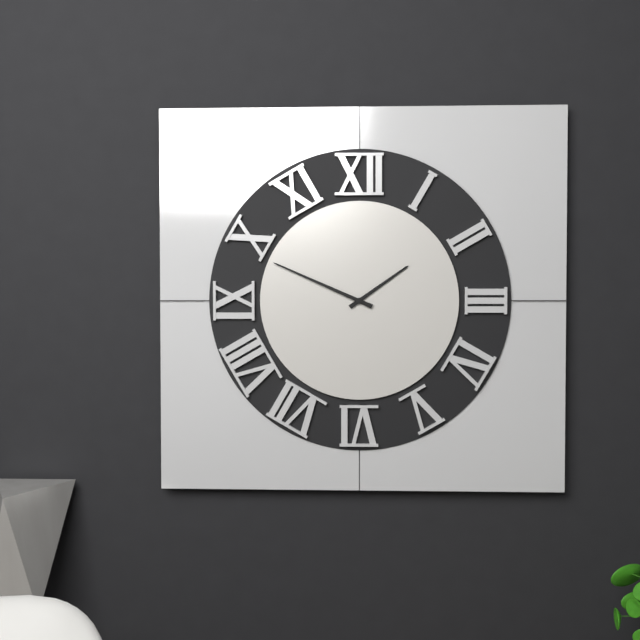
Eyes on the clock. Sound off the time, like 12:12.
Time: 1:49
